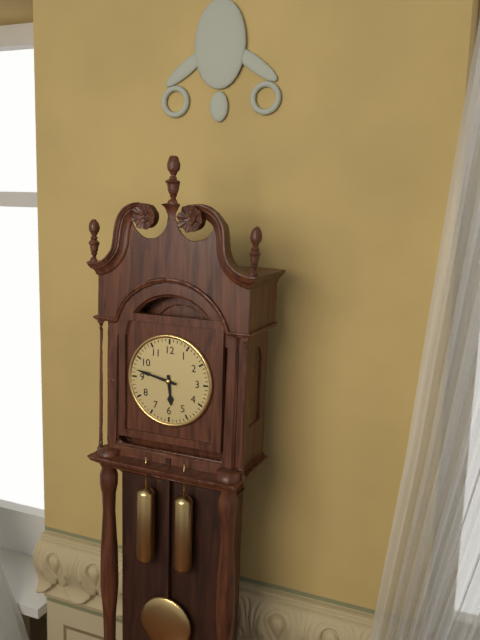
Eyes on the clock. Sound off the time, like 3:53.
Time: 5:47
